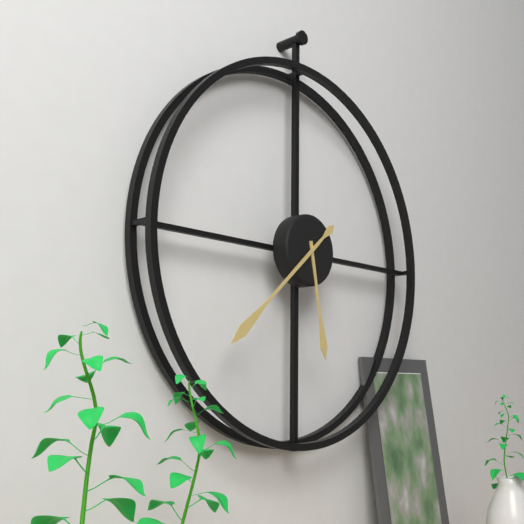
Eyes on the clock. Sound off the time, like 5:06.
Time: 5:38
